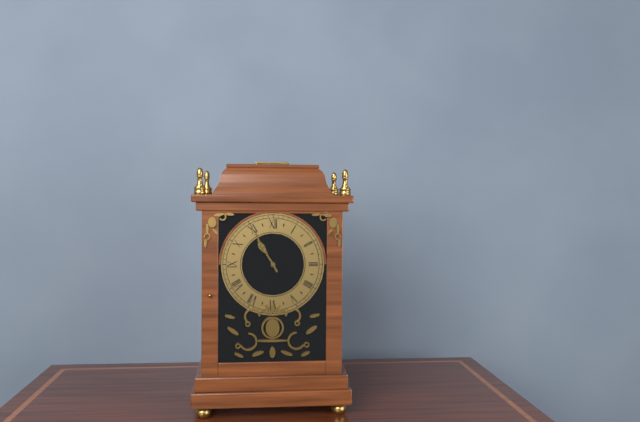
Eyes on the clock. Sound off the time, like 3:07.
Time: 10:55
